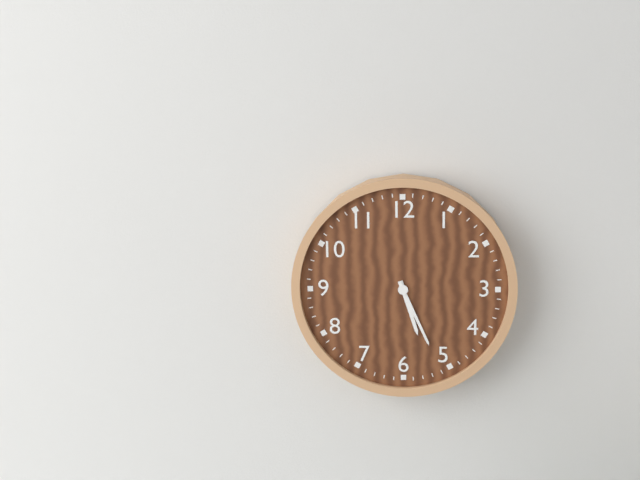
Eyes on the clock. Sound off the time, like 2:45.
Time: 5:26
